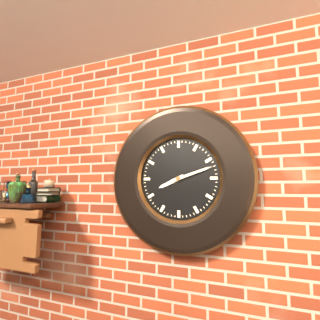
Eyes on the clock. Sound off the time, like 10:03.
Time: 8:12
